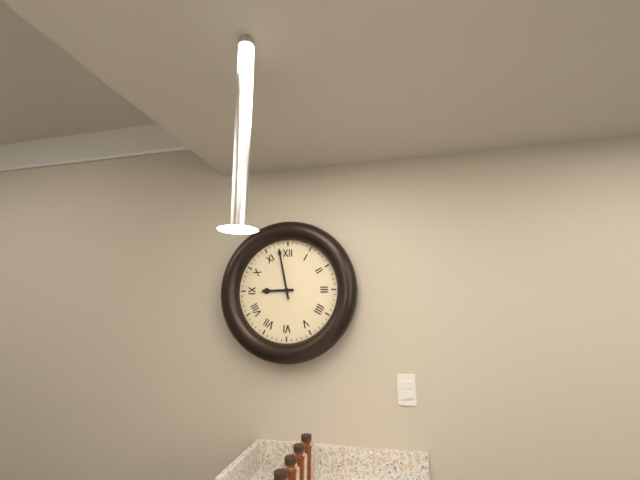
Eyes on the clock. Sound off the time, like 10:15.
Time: 8:58
